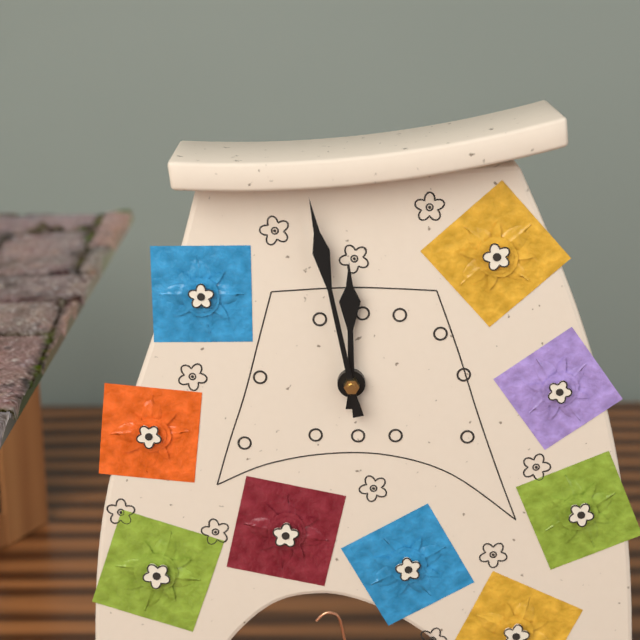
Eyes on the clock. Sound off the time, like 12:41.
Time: 11:58
